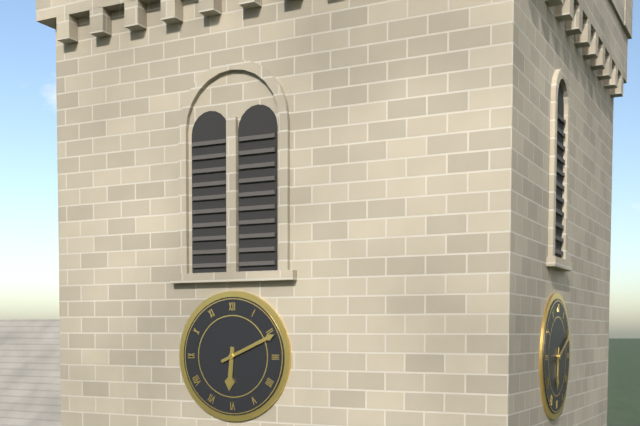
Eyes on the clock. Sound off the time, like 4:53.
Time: 6:11
